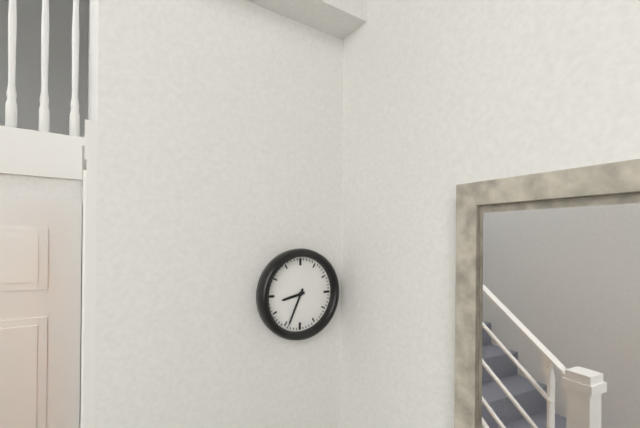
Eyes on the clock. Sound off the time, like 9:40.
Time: 8:34
